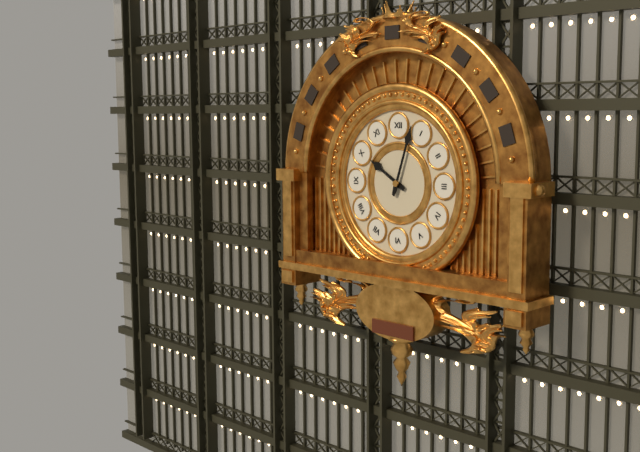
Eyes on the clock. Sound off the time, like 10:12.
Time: 10:03
